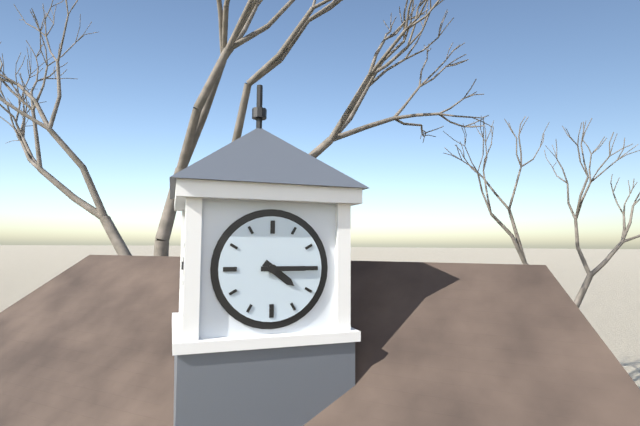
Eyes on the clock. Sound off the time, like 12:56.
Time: 4:15
